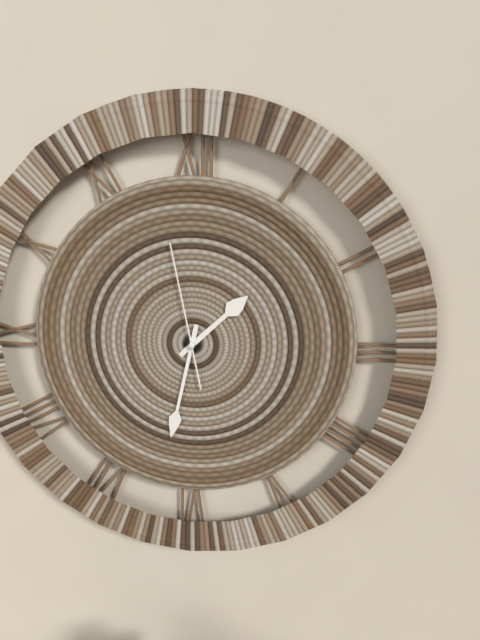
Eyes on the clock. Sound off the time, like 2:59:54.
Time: 1:32:58
